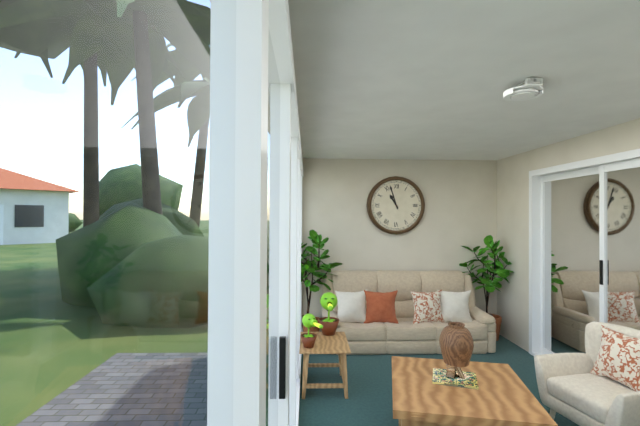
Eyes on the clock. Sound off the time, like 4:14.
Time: 10:57
